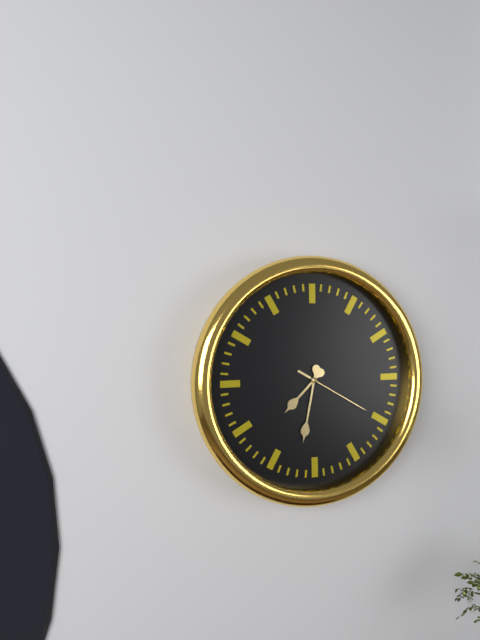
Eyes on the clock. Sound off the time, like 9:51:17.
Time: 7:32:20
